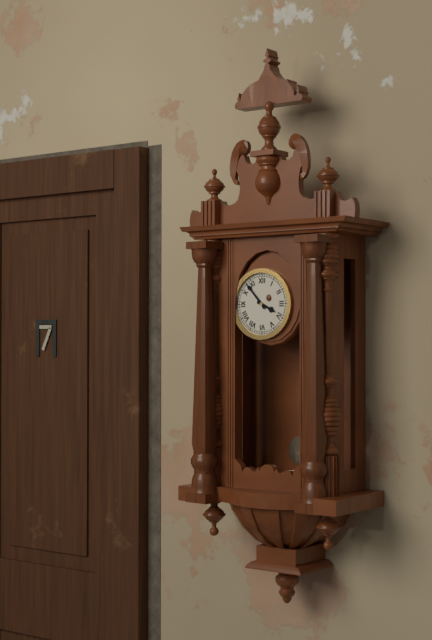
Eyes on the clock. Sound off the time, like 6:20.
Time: 3:53
